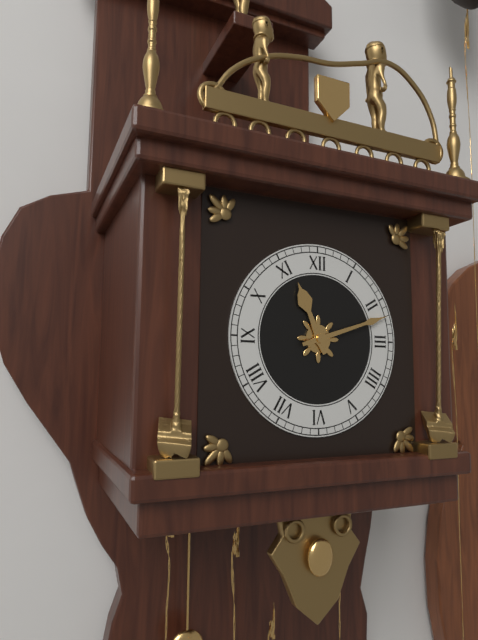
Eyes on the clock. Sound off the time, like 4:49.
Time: 11:12
